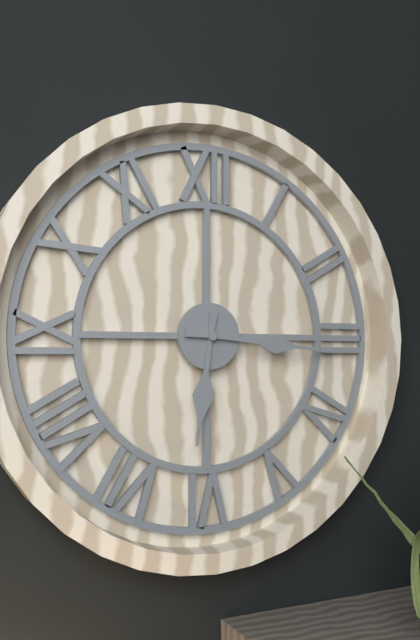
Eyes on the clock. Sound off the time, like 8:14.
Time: 6:16
